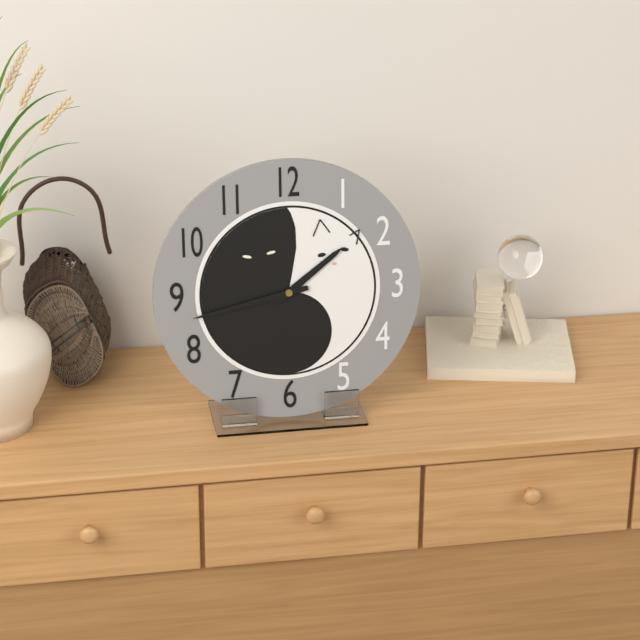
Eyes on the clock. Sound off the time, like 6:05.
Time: 1:43
